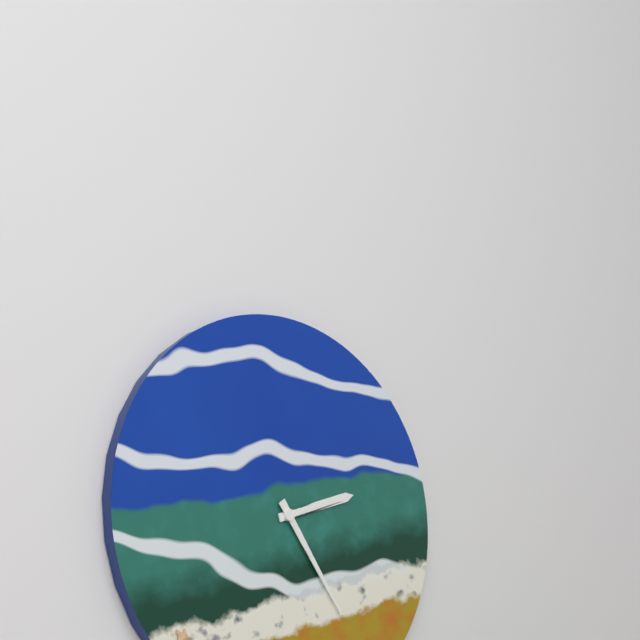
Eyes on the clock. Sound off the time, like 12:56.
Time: 2:24
